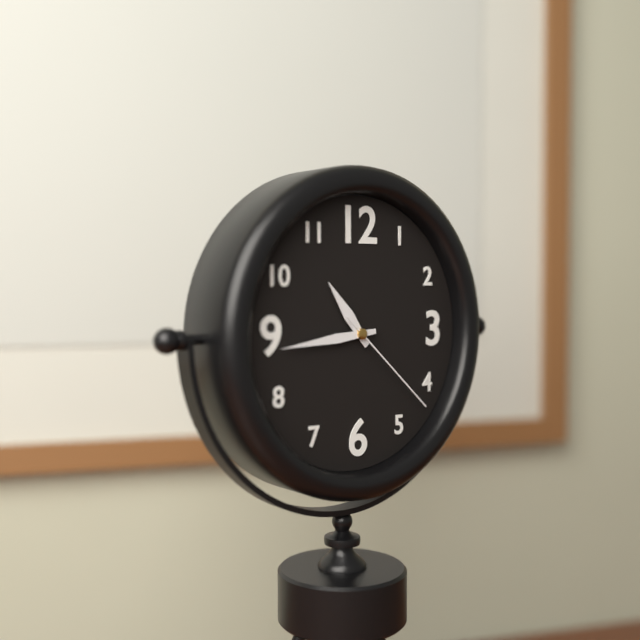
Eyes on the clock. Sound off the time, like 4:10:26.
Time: 10:44:22
